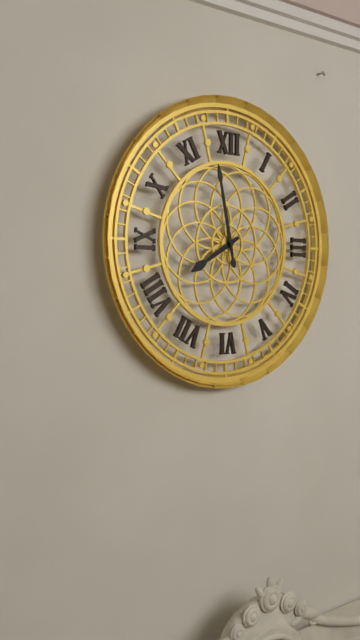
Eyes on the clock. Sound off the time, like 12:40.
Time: 7:58
